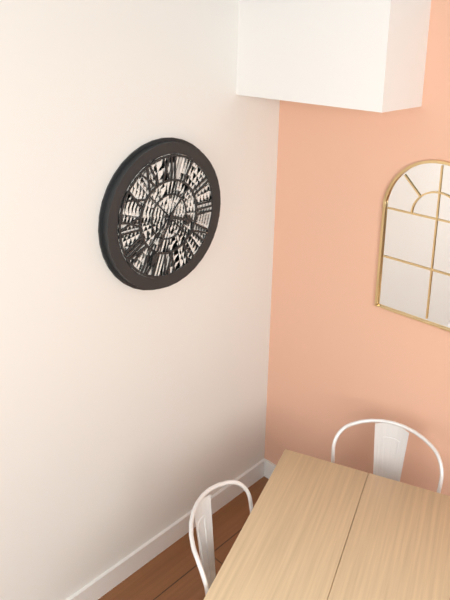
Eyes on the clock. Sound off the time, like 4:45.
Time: 3:35
